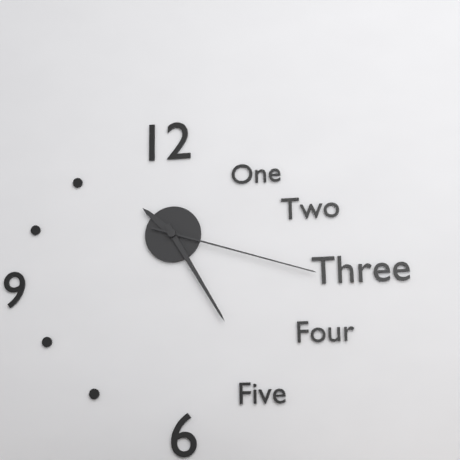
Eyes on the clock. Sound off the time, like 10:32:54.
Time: 10:25:18
